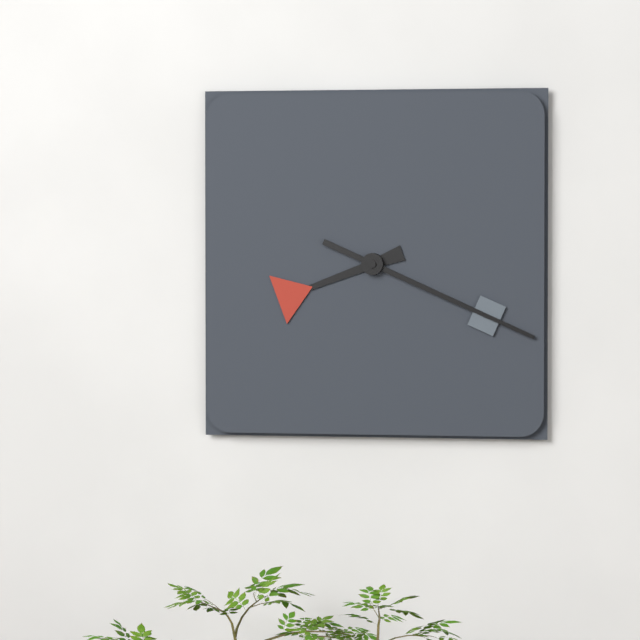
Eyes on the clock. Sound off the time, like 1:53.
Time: 8:19
